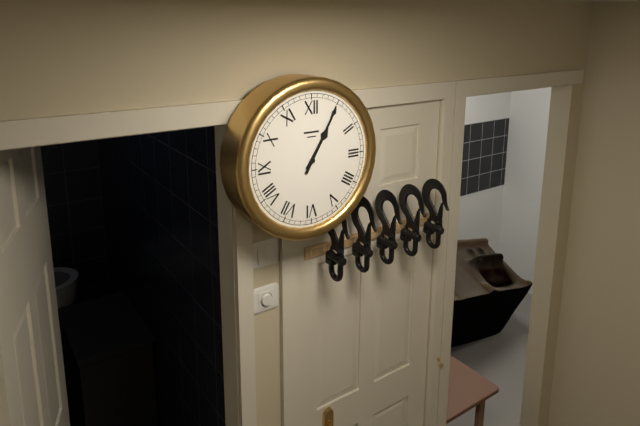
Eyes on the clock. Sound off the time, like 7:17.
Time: 1:05
